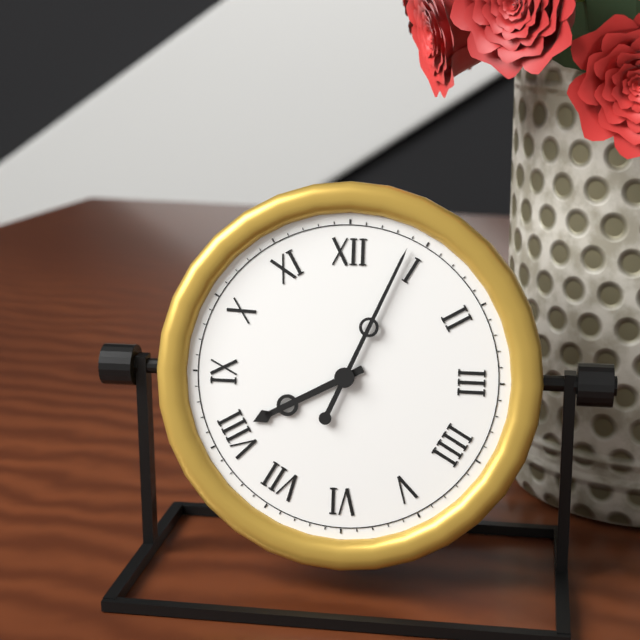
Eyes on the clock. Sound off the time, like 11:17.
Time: 8:04
